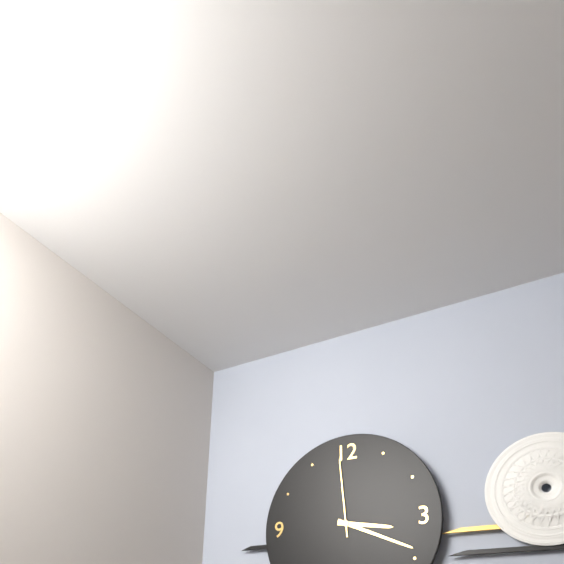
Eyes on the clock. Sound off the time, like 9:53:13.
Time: 3:19:59
